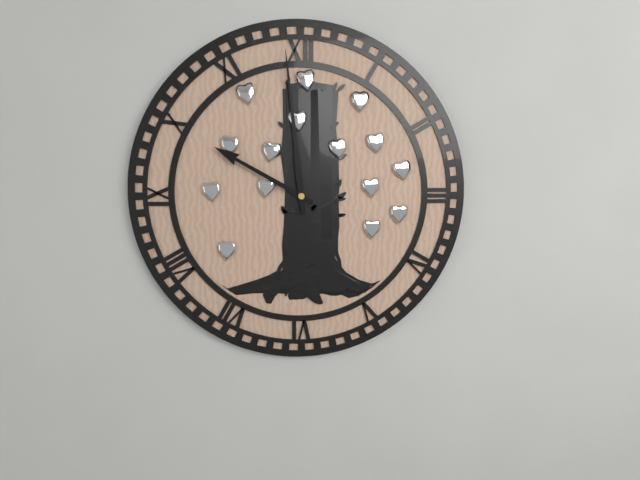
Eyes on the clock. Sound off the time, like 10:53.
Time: 9:59
